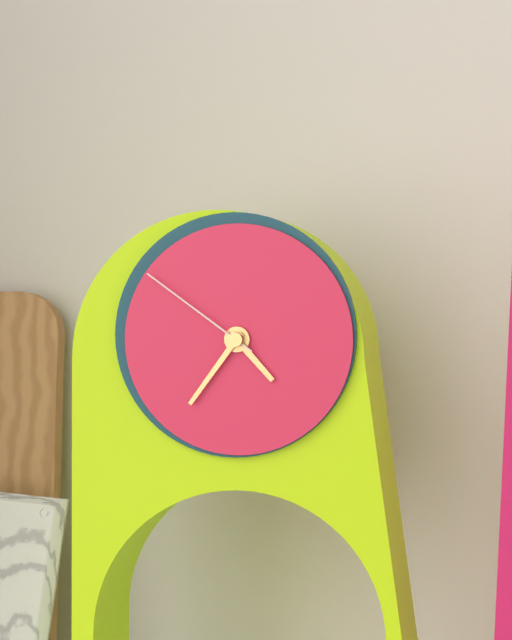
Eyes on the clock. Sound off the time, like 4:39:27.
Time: 4:36:51
